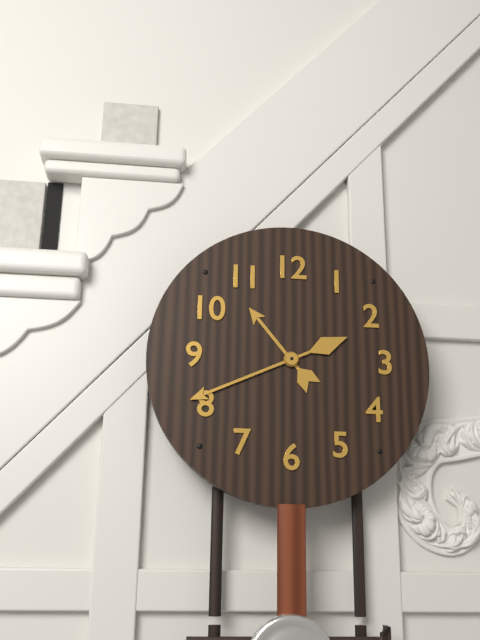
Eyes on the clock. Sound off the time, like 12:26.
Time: 10:41
